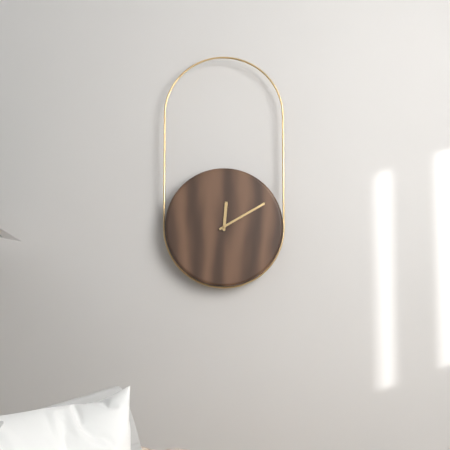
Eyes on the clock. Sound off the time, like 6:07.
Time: 12:10
